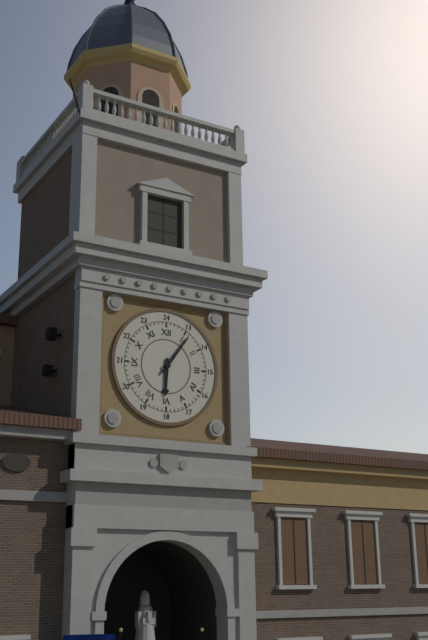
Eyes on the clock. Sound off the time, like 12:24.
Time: 6:06
